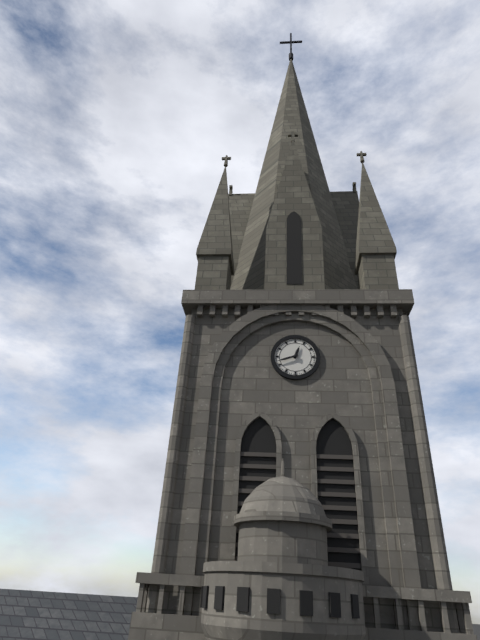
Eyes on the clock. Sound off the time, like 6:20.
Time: 12:42
